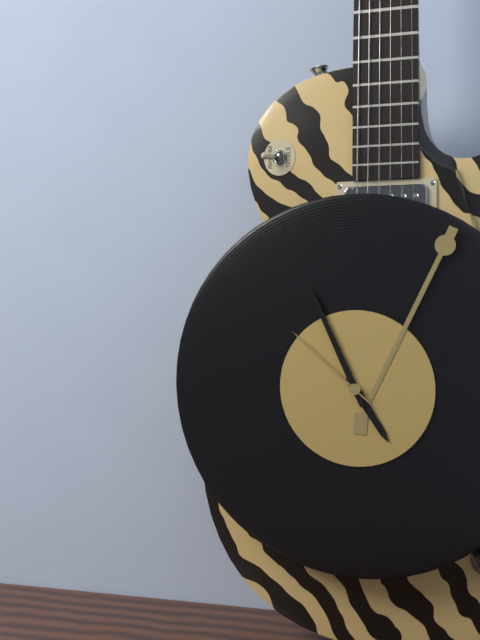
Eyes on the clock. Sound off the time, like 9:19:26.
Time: 4:56:52
